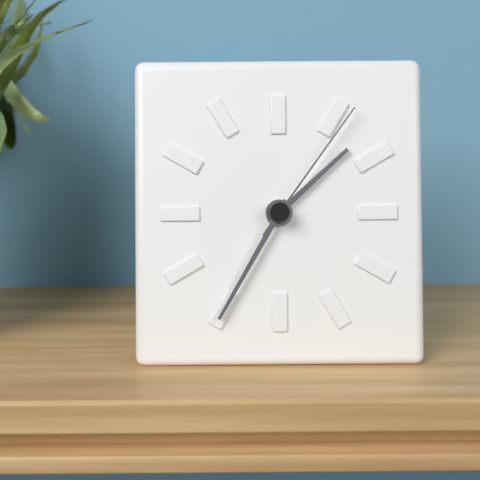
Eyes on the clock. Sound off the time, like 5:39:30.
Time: 1:35:06
